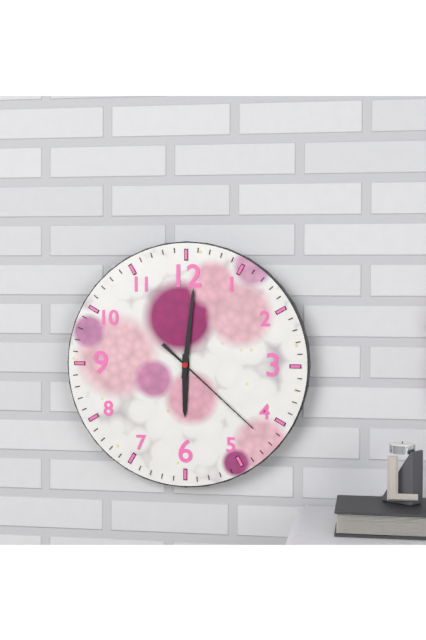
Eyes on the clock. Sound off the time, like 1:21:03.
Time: 6:01:22
